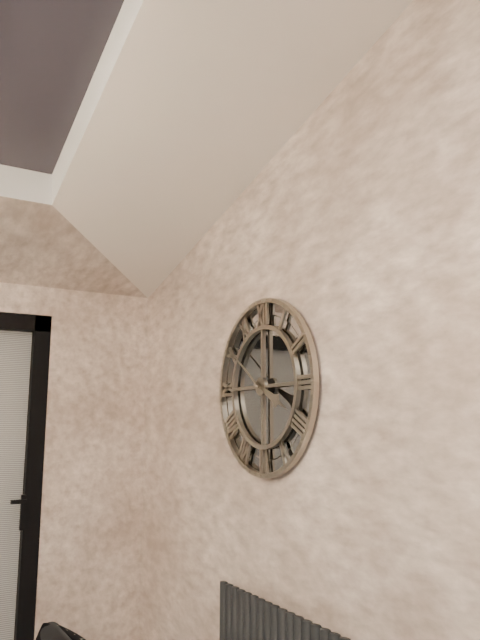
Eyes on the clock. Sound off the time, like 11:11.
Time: 3:51
